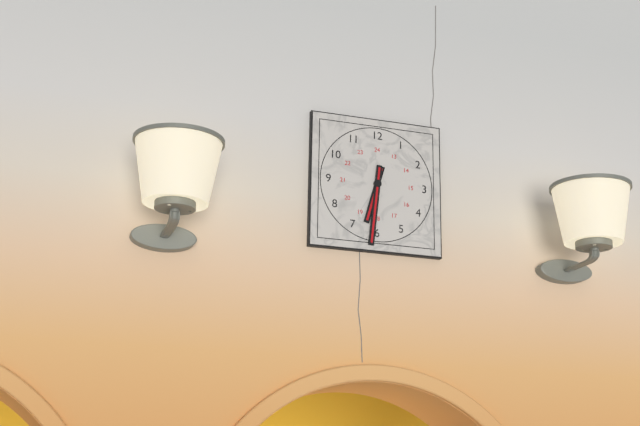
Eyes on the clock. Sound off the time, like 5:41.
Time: 6:31
